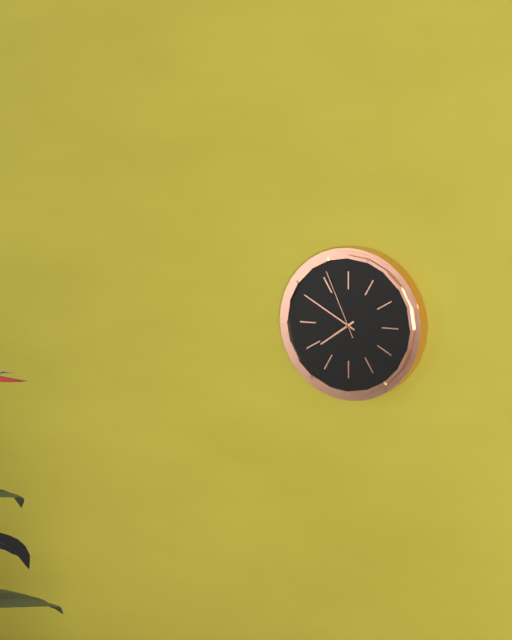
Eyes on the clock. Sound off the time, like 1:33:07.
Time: 7:50:56
